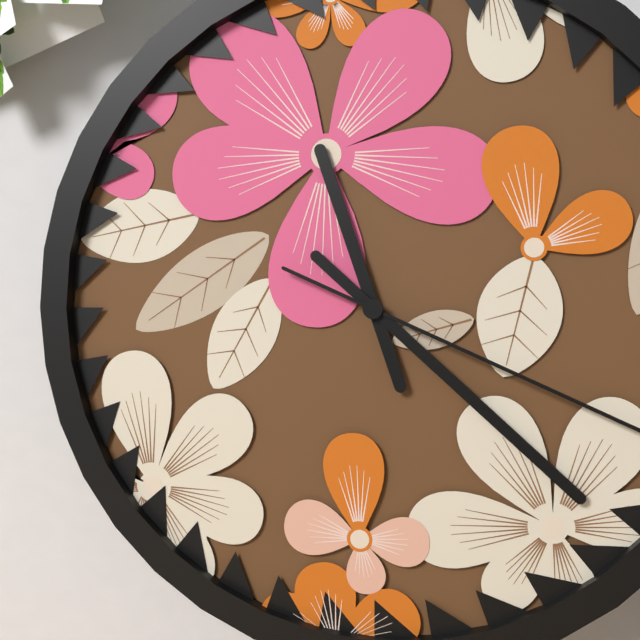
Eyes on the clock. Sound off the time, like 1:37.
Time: 11:22
